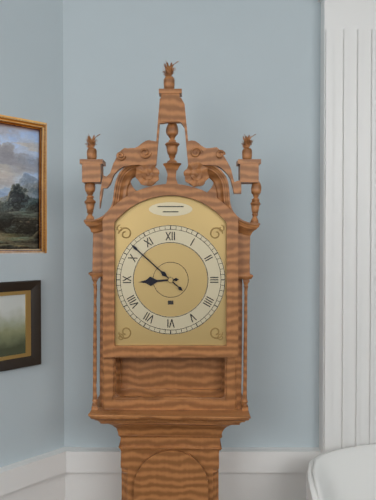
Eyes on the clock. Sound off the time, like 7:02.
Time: 8:52
